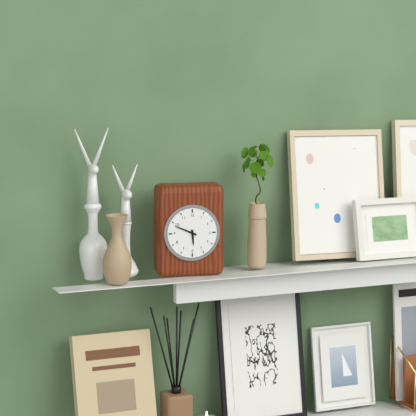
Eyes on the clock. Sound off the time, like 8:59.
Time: 5:49
